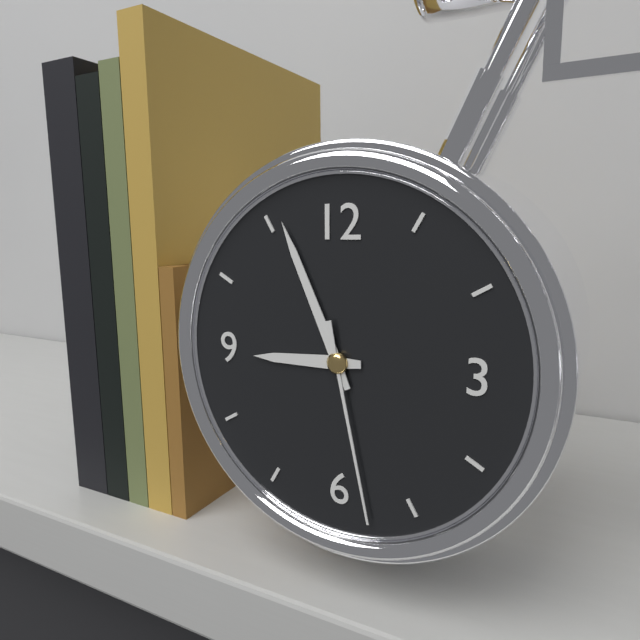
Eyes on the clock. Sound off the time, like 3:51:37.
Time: 8:56:28
